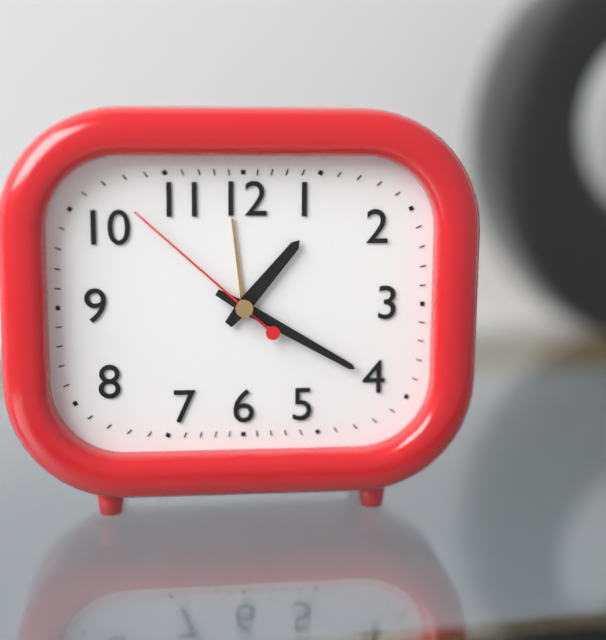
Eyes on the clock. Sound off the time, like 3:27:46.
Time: 1:20:52
